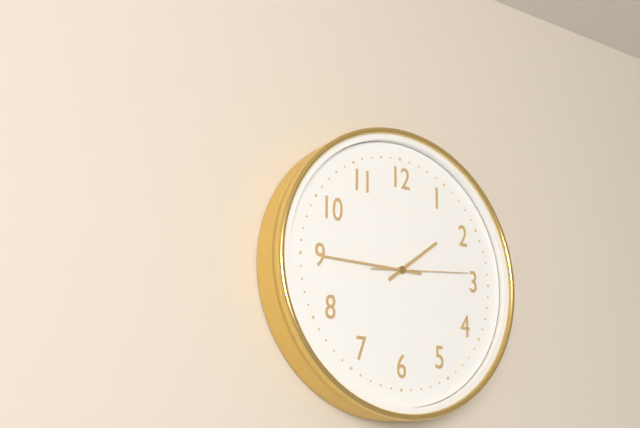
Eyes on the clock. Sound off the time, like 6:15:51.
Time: 1:45:14
